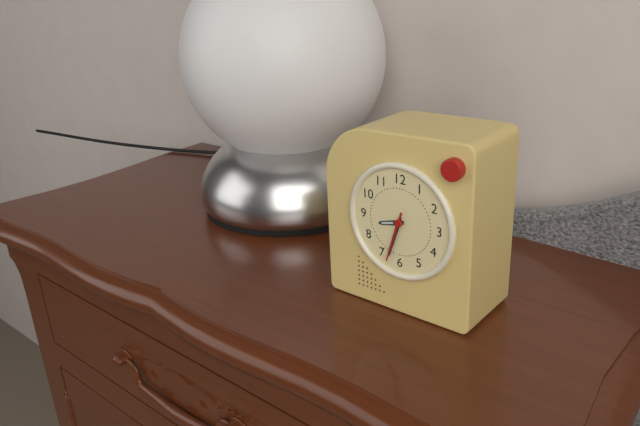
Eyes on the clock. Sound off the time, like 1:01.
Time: 8:33
